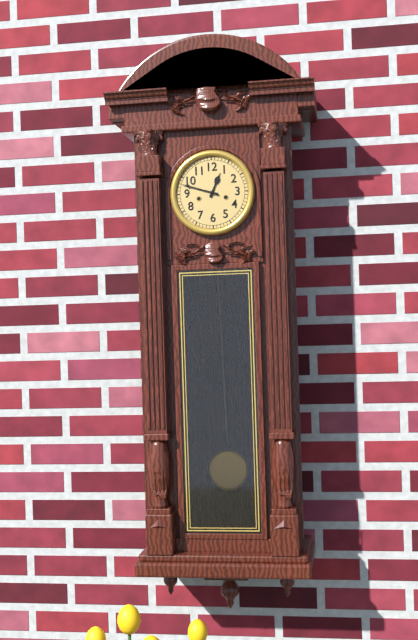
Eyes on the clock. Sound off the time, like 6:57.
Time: 12:48
